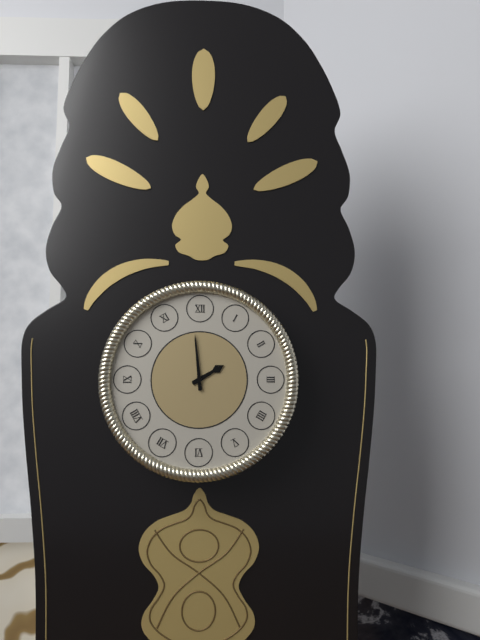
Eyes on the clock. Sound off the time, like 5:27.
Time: 1:59
